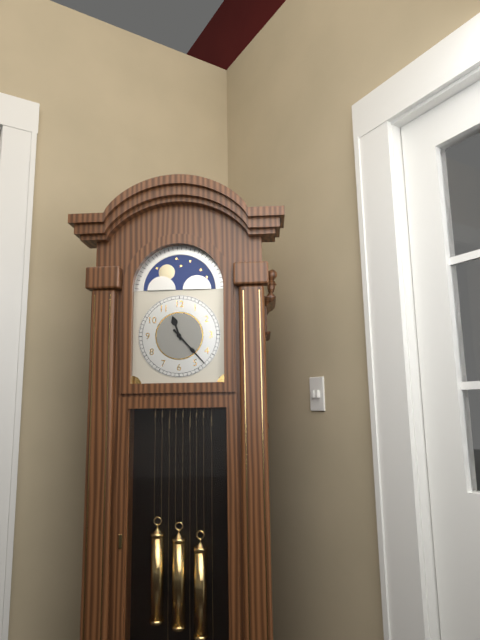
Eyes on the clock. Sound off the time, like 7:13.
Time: 11:23
